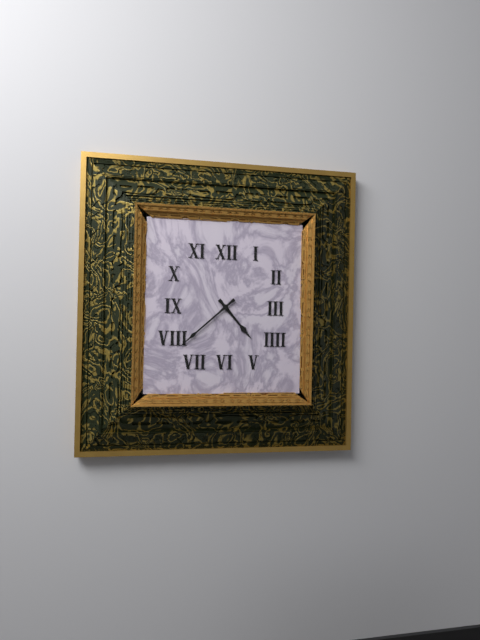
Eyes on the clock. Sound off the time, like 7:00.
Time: 4:38
